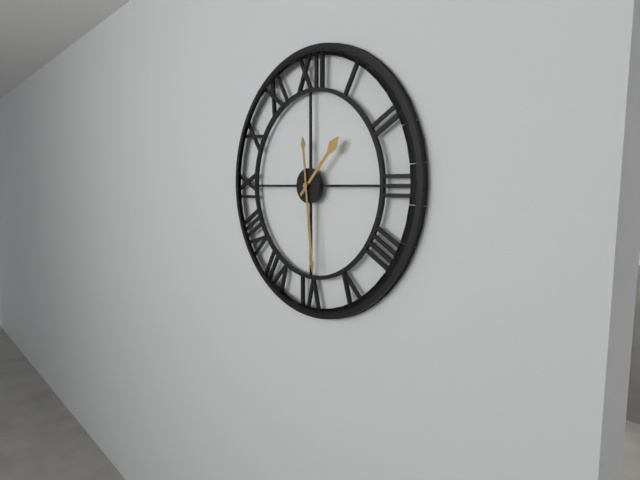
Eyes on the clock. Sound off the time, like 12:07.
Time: 1:29
